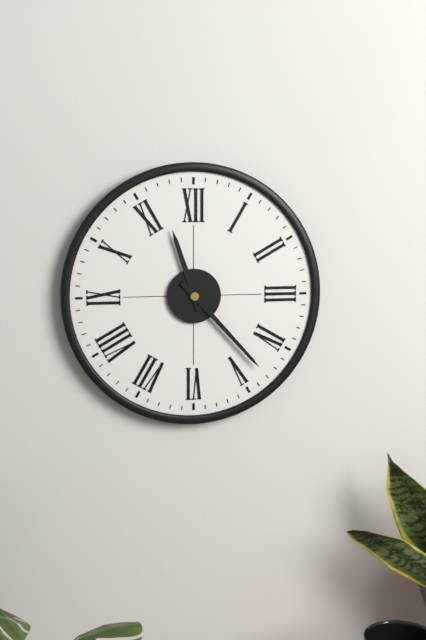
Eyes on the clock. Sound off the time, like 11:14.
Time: 11:23
